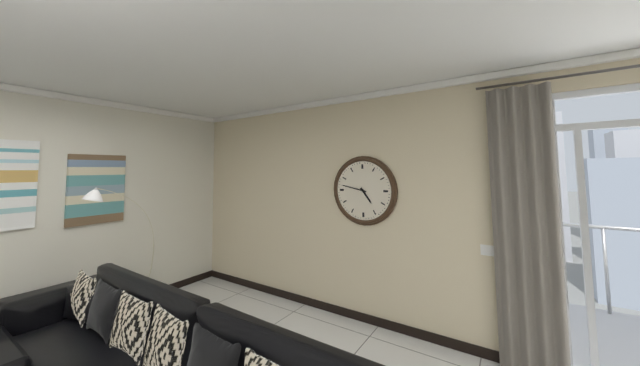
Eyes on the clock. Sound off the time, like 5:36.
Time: 4:47
